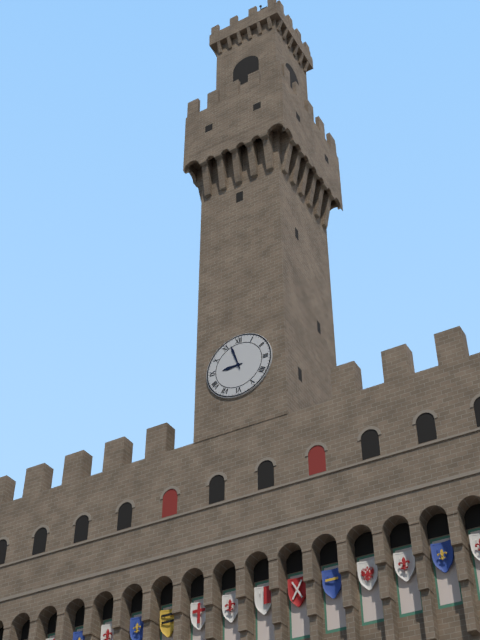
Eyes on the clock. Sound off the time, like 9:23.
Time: 8:57
